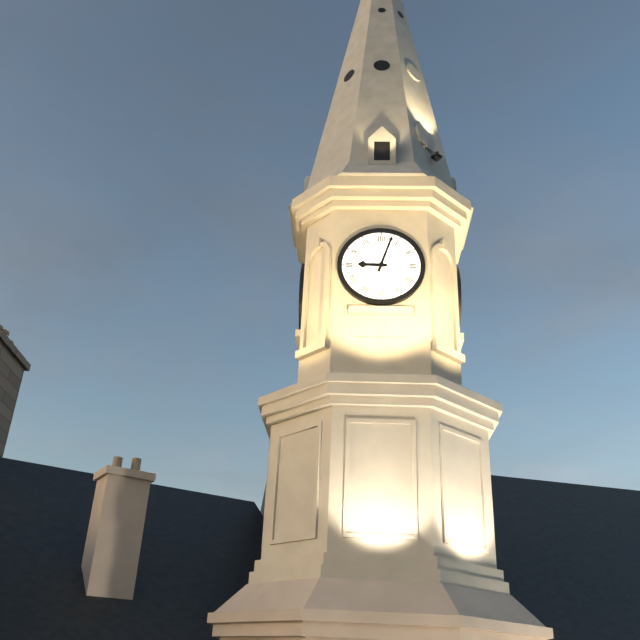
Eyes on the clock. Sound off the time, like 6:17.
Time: 9:03
